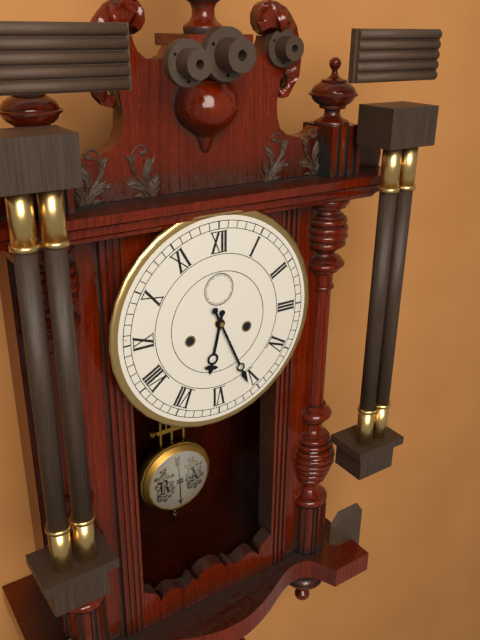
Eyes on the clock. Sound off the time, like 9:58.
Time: 6:26
